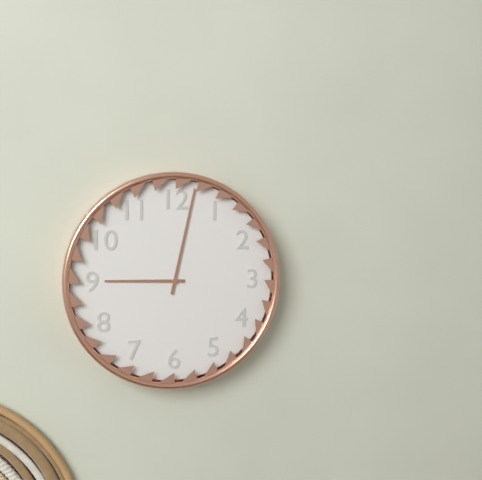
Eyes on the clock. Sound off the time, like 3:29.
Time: 9:02
